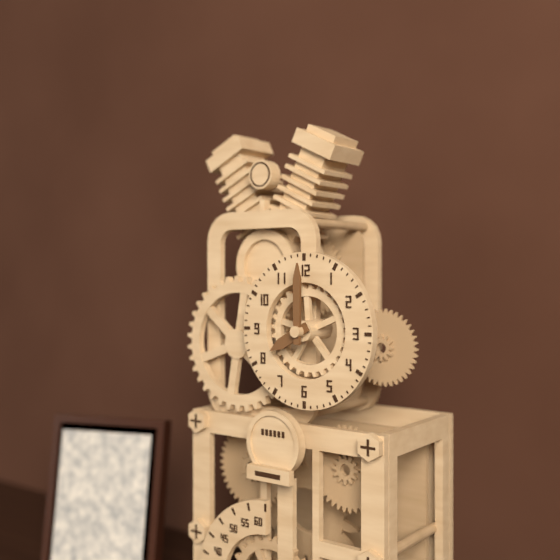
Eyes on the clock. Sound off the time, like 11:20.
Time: 8:00
